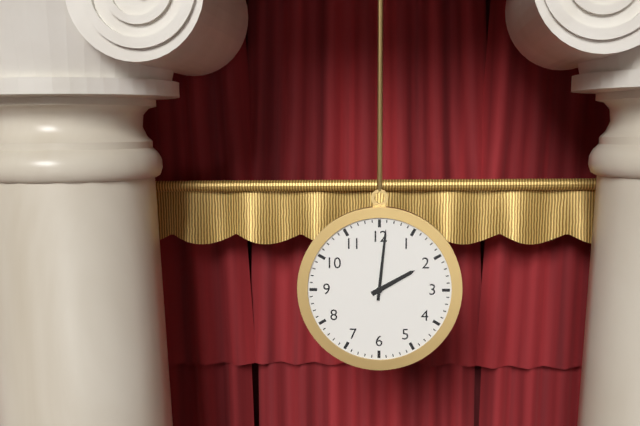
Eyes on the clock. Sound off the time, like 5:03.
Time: 2:01
